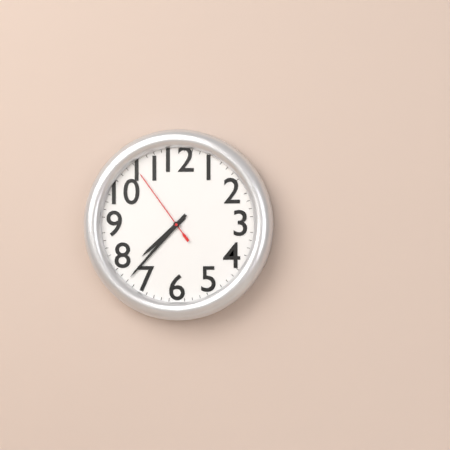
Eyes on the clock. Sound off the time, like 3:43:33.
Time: 7:37:54
